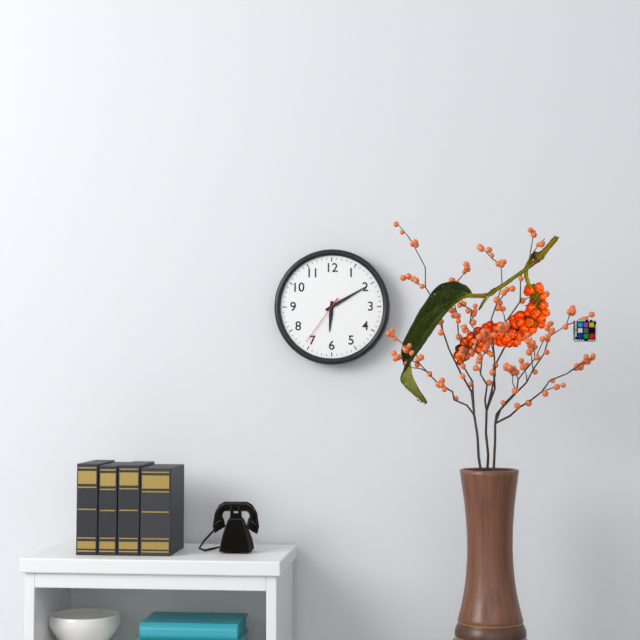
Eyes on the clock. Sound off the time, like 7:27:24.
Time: 6:10:36
